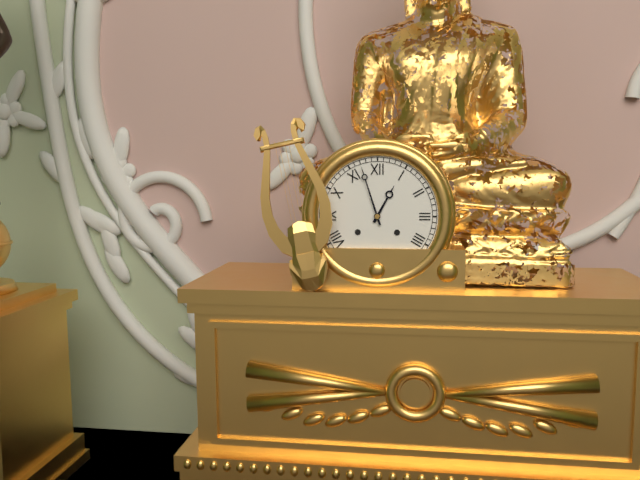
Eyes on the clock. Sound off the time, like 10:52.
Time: 12:57
